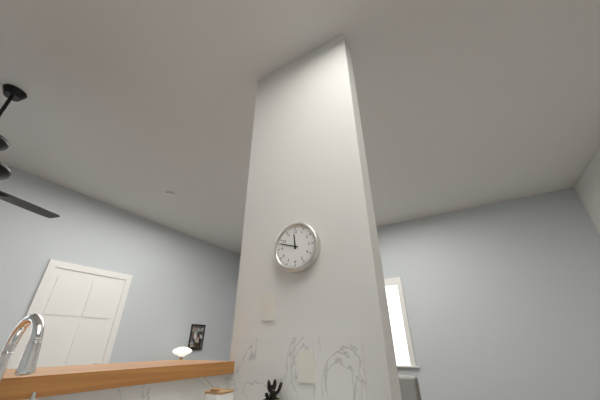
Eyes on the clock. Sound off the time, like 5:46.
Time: 11:48
